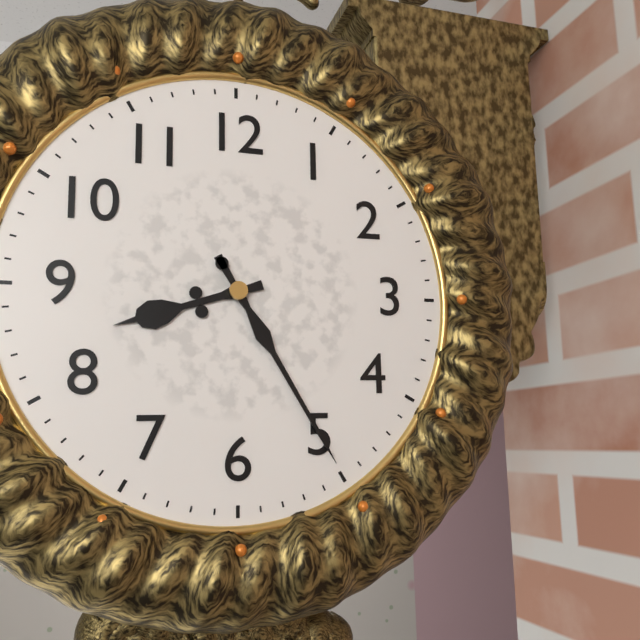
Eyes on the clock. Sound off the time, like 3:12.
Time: 8:25
